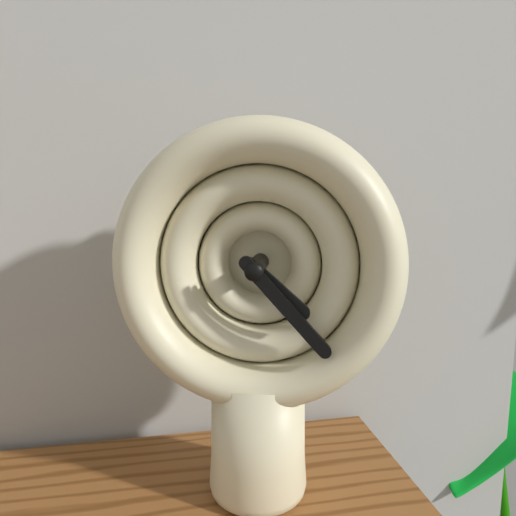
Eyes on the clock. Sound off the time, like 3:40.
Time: 4:23
